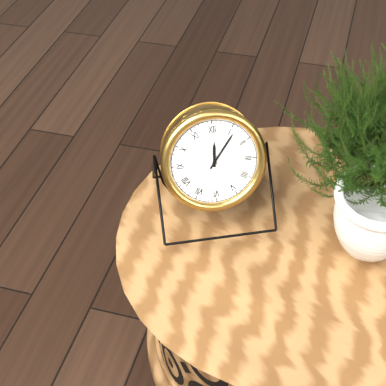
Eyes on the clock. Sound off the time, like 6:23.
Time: 12:06
